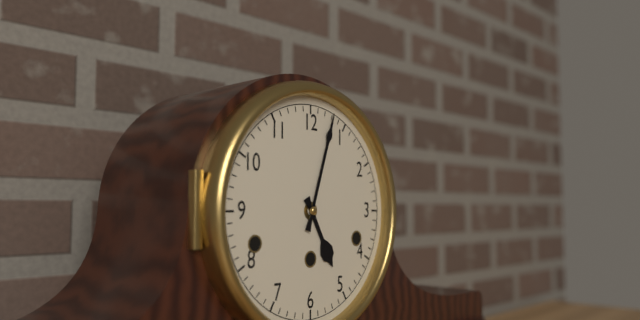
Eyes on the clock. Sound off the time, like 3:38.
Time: 5:03
